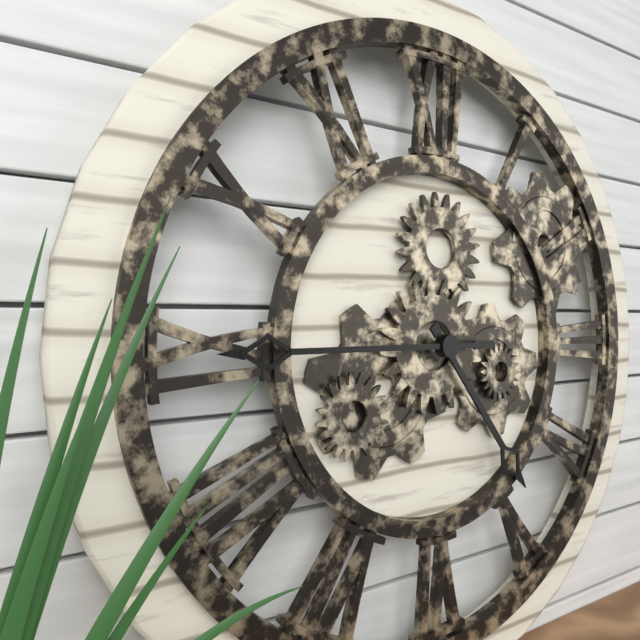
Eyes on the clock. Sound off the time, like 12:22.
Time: 4:45
